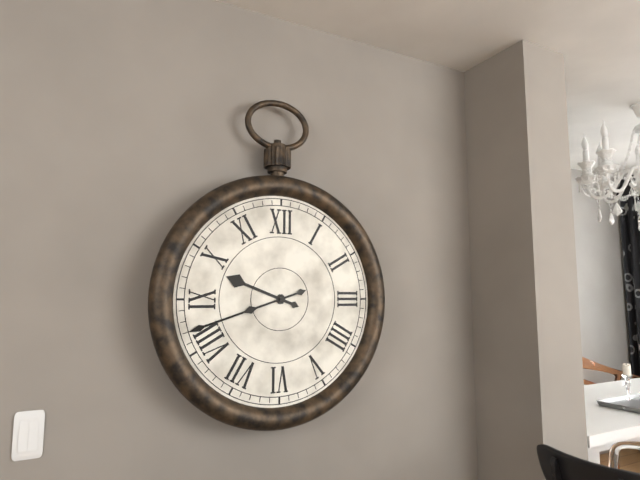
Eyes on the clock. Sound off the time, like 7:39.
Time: 9:42
